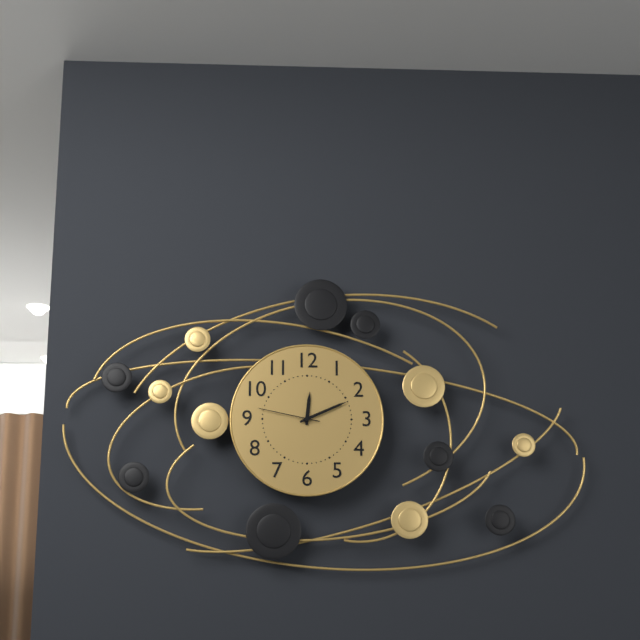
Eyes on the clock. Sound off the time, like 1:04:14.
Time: 12:11:47
